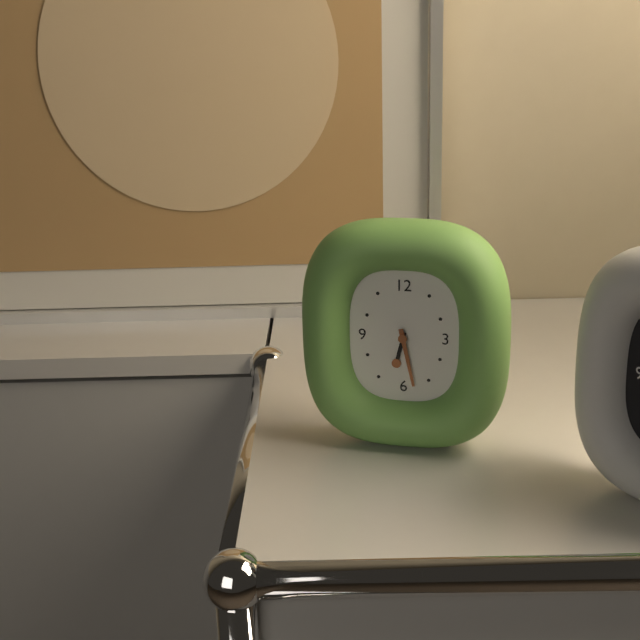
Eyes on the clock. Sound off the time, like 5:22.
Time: 6:28
